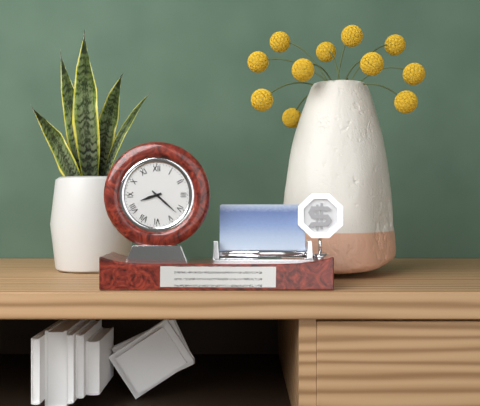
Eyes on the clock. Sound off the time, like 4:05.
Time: 8:22
